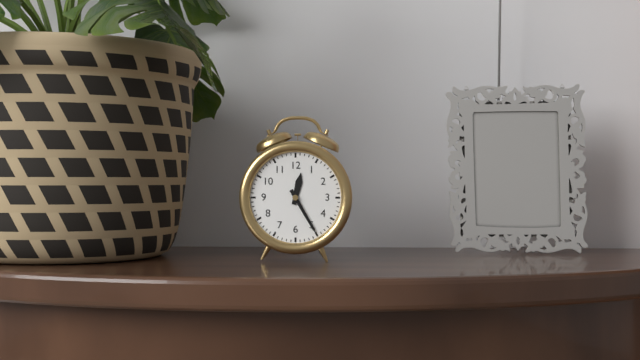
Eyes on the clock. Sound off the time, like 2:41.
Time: 12:25
